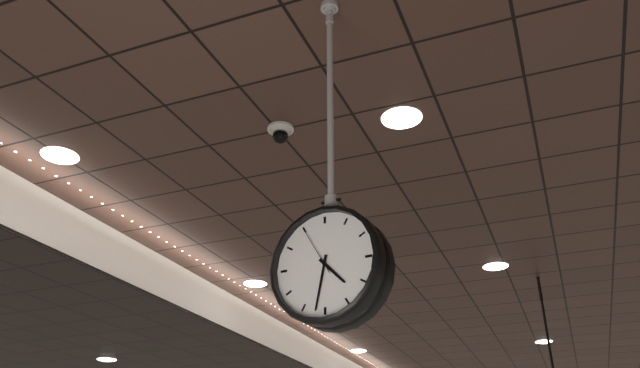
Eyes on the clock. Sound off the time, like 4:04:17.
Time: 4:32:55
